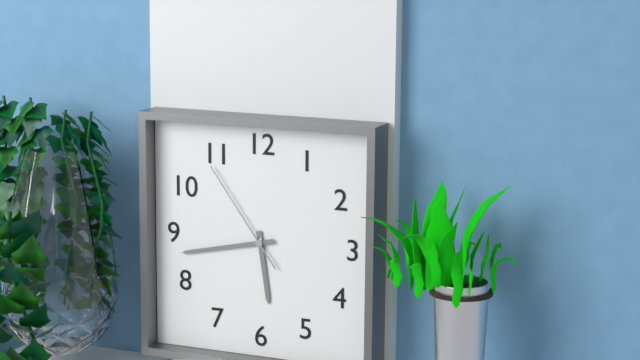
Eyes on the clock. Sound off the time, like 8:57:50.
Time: 5:43:54
